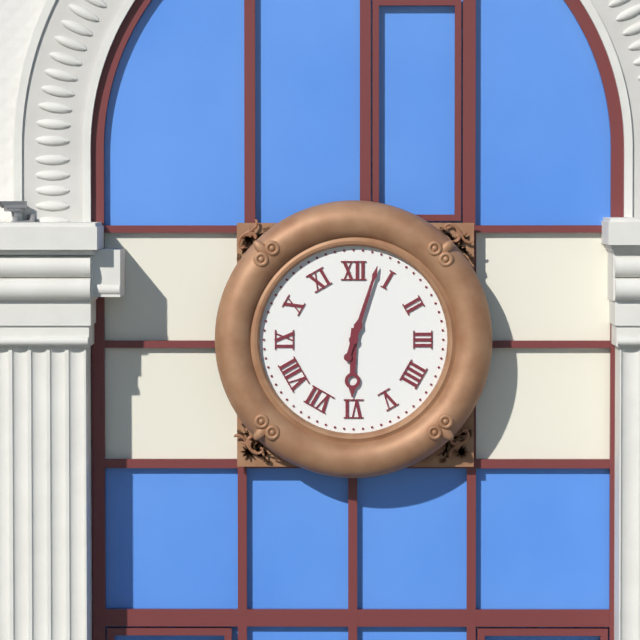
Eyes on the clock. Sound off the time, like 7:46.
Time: 6:03
